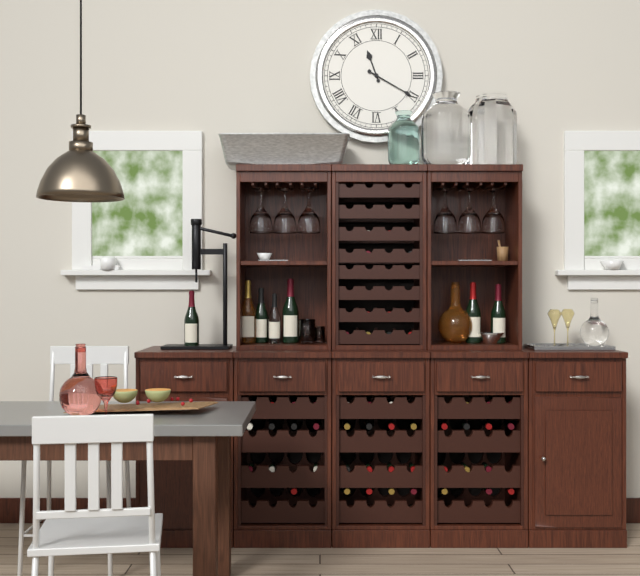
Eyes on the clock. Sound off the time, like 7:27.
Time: 11:20
